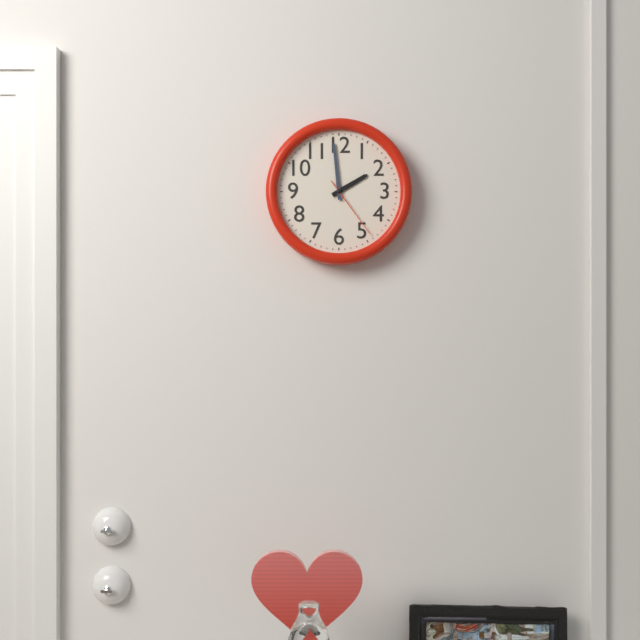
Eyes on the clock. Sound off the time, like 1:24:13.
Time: 1:59:24
